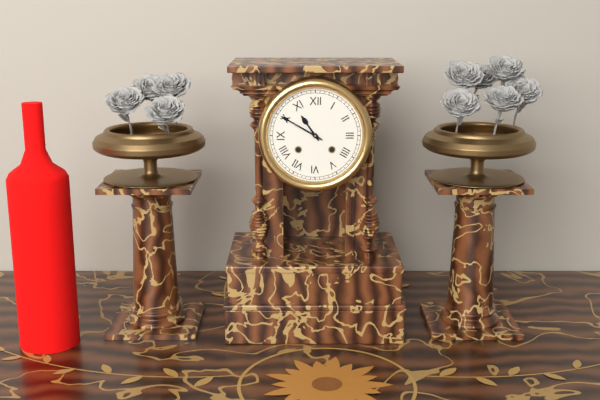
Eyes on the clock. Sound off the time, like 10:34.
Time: 10:50
